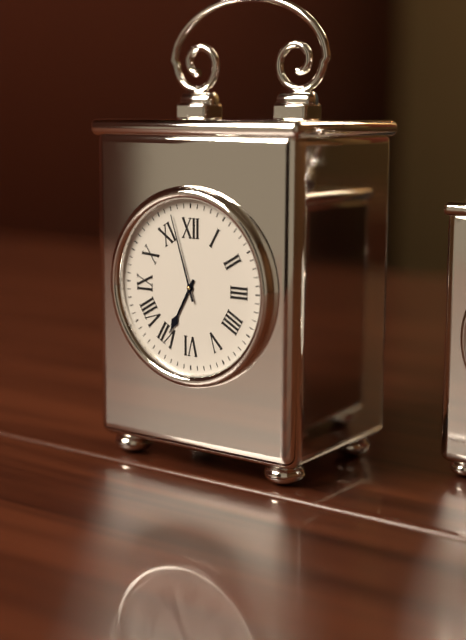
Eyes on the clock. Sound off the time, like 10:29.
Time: 6:57
